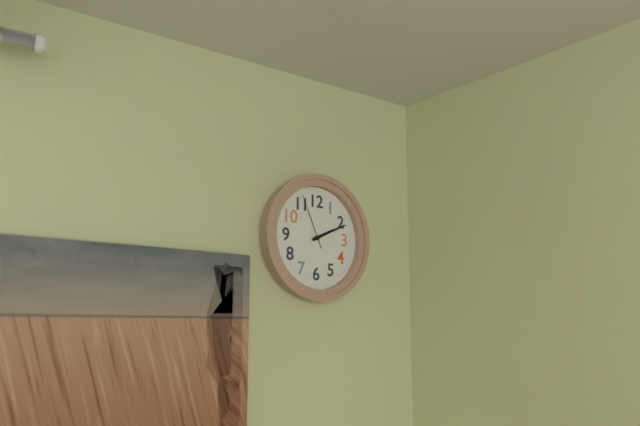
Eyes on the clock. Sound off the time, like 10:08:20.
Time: 2:11:56
